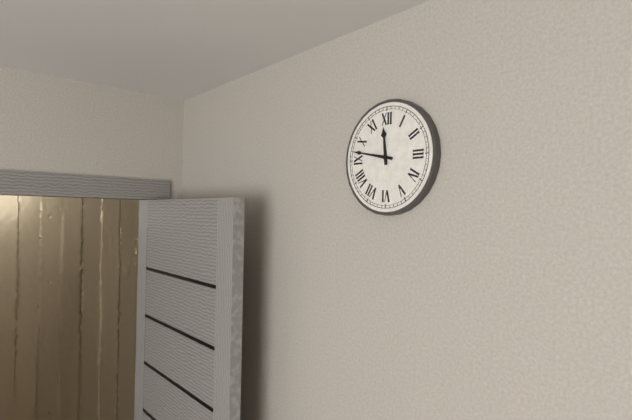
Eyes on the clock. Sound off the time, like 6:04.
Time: 11:47
